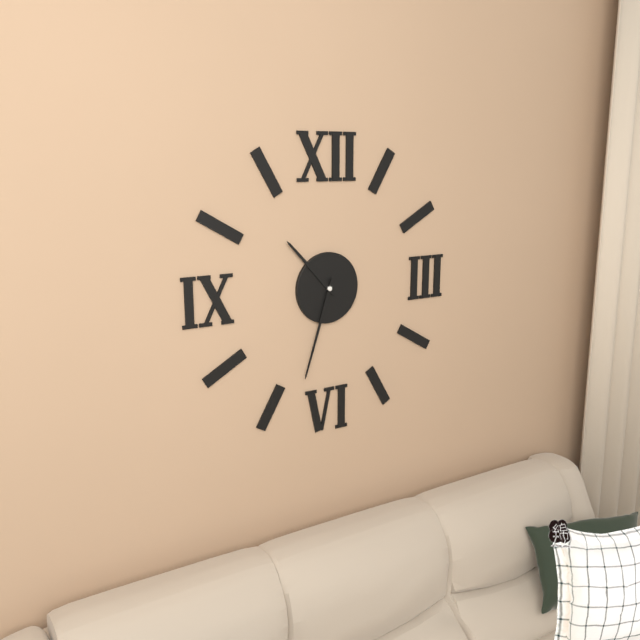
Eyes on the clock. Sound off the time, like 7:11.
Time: 10:33
